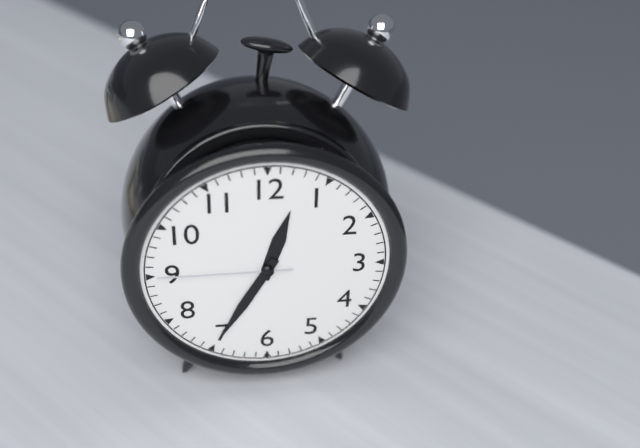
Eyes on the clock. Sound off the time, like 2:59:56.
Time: 12:35:45
